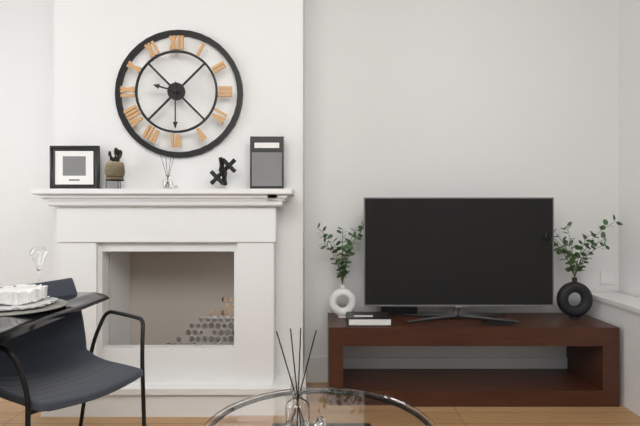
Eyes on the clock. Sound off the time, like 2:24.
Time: 9:30
